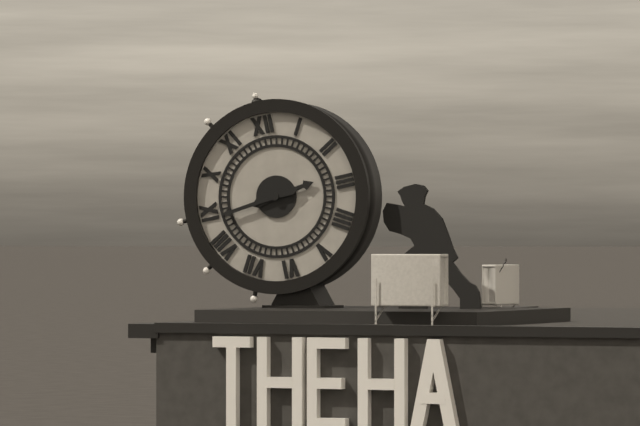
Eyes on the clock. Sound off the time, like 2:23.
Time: 2:44
